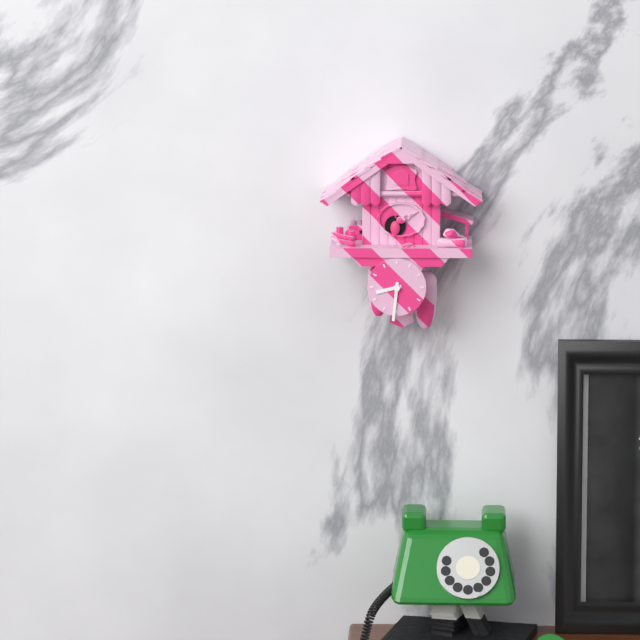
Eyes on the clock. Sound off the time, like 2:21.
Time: 8:31
